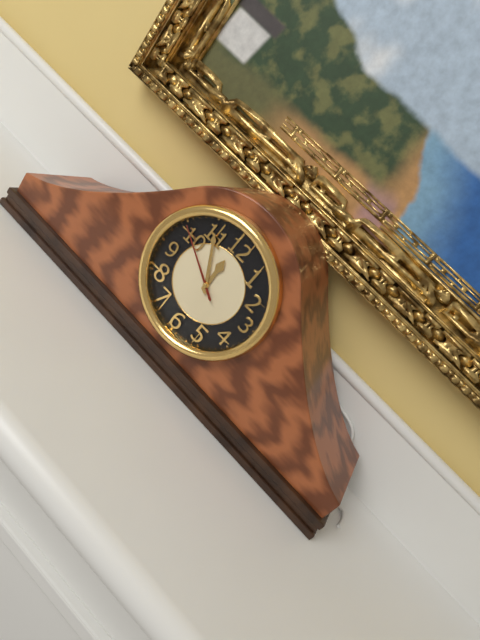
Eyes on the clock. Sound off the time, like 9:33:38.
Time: 11:55:50
